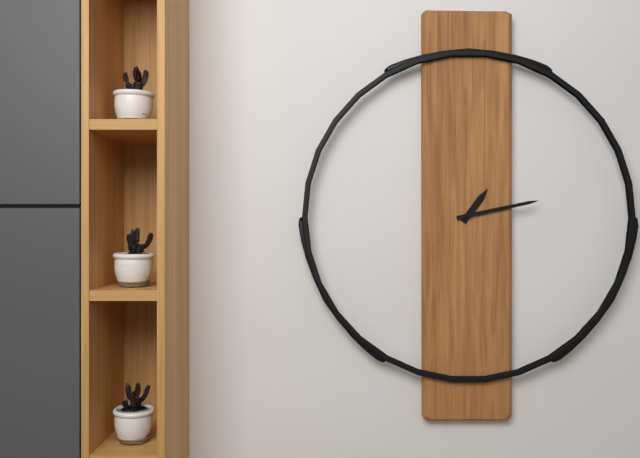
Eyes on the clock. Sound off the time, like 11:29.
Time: 1:13
